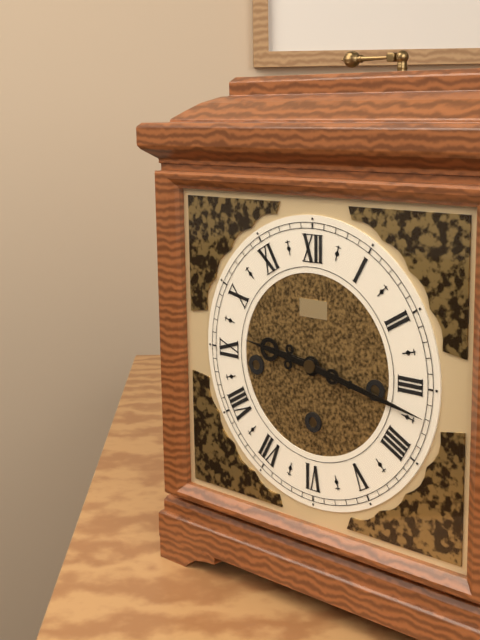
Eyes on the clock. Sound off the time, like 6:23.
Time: 9:17
